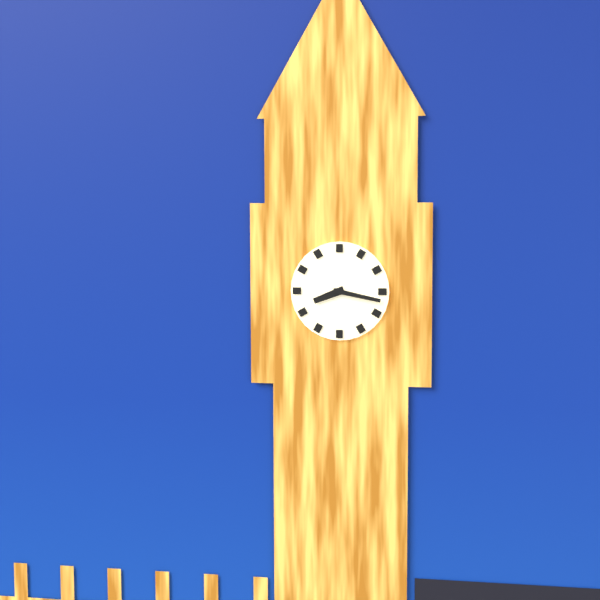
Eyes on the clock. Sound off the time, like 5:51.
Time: 8:17
